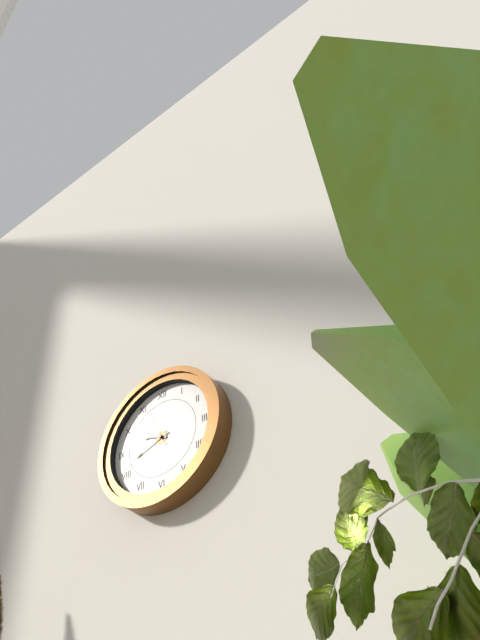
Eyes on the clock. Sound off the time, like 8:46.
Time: 9:42
